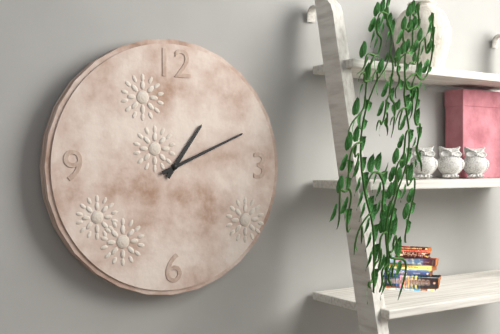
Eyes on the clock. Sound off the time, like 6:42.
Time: 1:11
